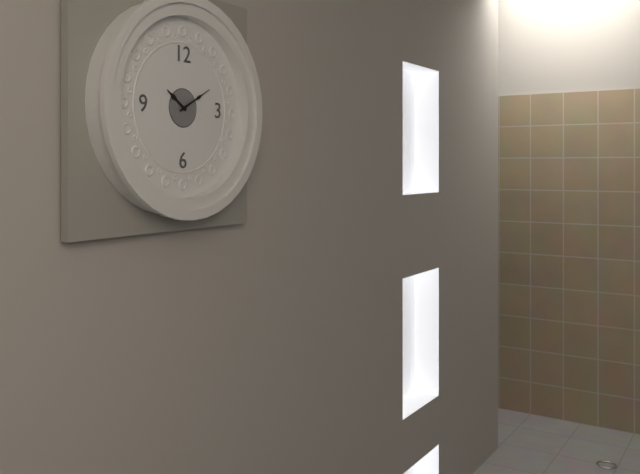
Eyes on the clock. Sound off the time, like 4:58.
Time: 10:10
